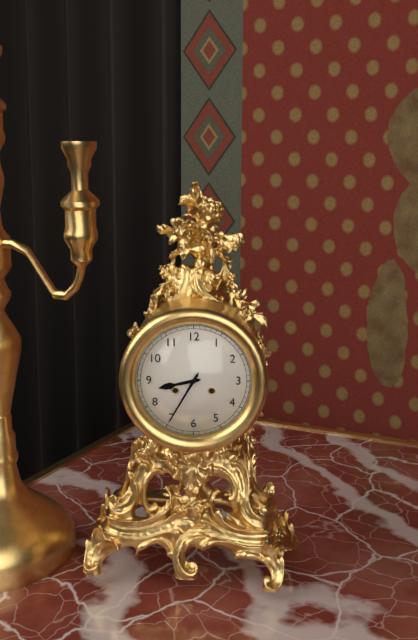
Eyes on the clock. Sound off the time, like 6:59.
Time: 8:35
